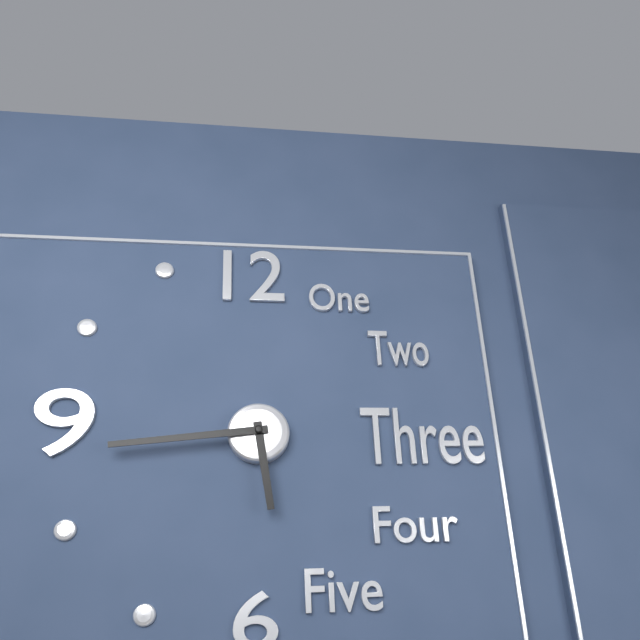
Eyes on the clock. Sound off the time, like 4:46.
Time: 5:44
